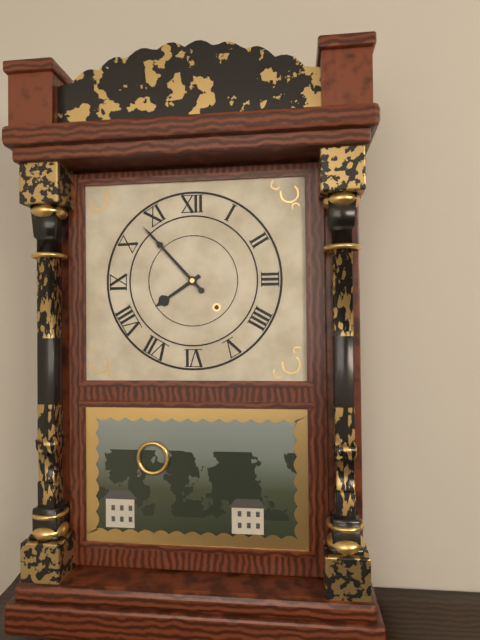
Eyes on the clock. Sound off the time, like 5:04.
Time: 7:53
